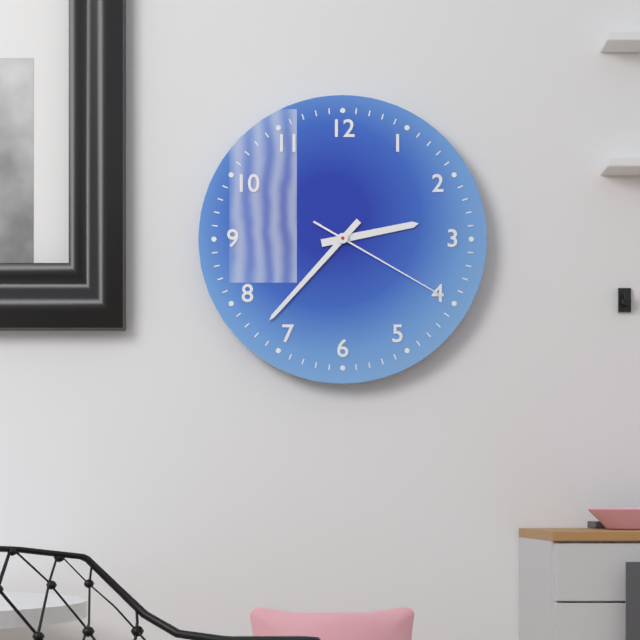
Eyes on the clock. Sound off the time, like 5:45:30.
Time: 2:37:20
